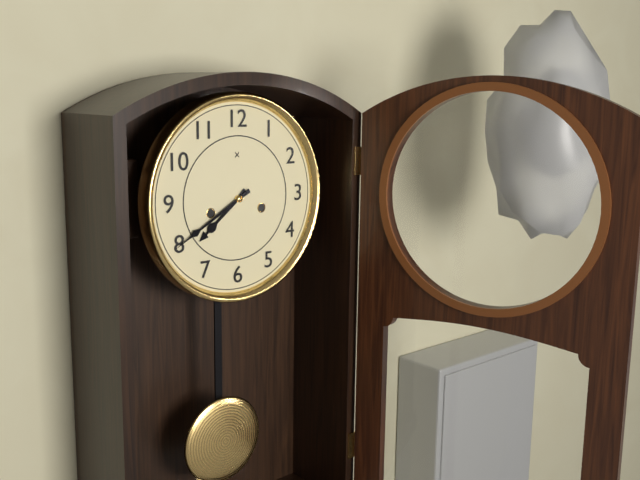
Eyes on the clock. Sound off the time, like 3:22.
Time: 7:40
